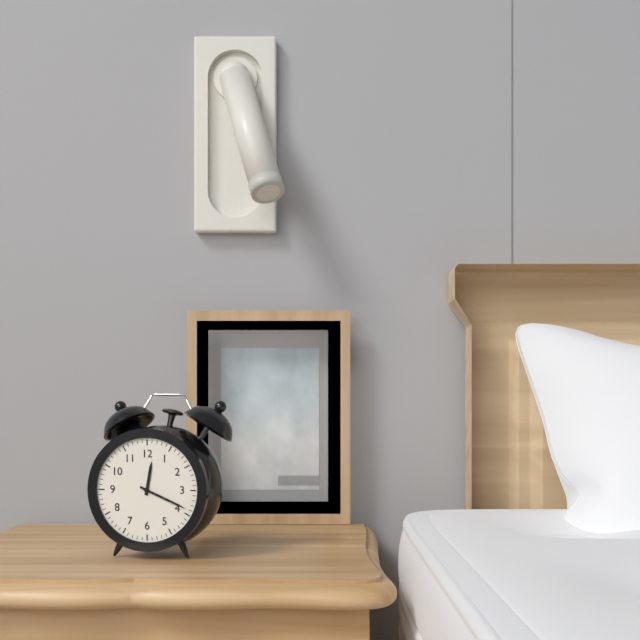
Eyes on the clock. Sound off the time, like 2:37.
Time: 12:19
